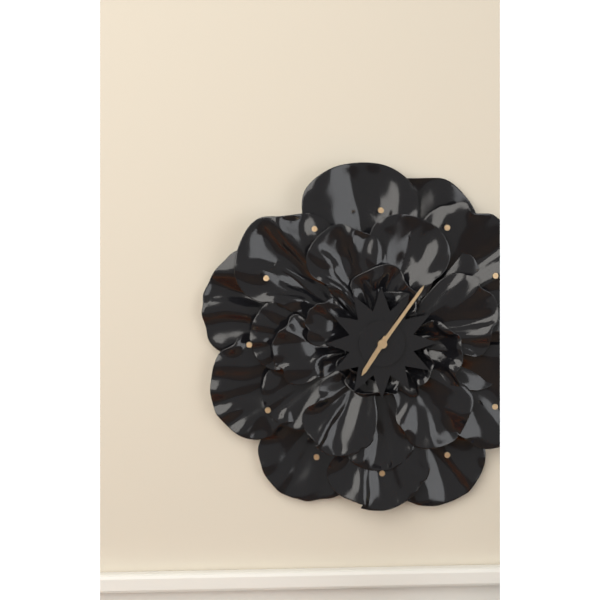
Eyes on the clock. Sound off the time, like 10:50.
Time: 7:06
